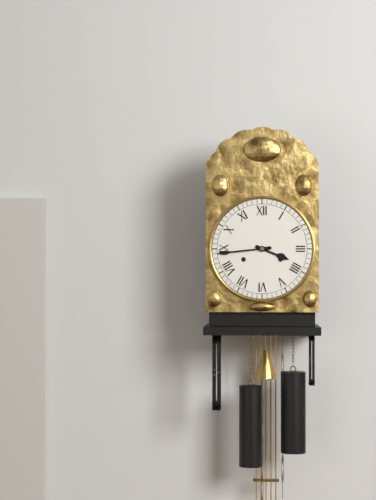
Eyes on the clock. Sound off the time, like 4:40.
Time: 3:44
